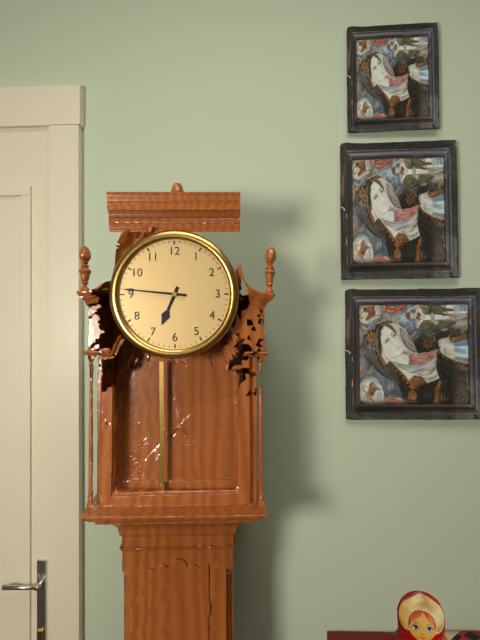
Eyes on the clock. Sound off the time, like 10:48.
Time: 6:46
